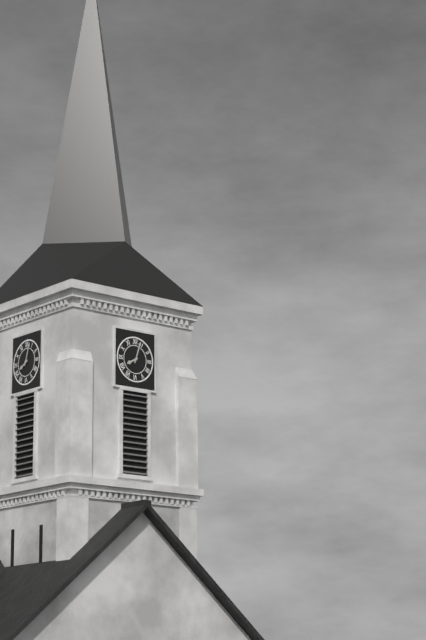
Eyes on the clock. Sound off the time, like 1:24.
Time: 8:03
